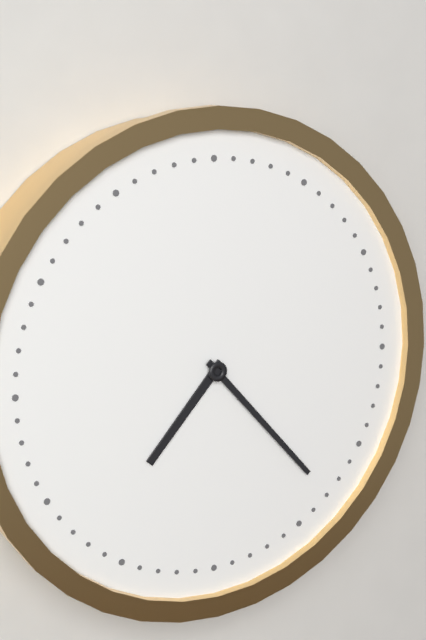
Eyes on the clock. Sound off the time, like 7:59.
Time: 7:23
